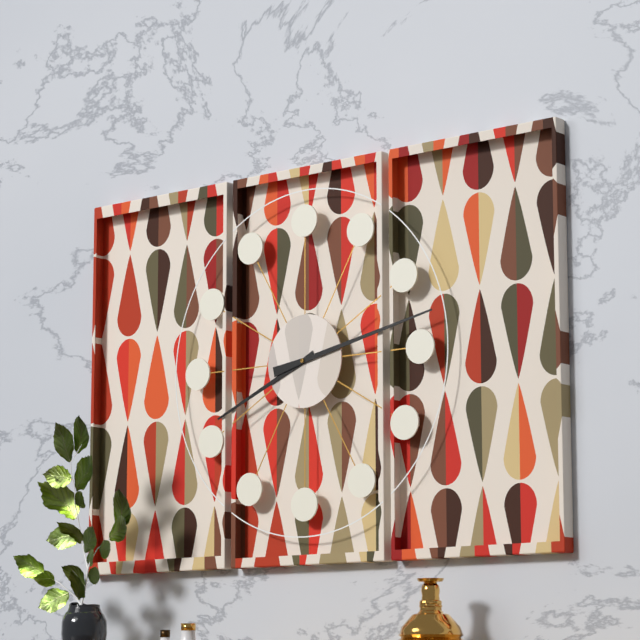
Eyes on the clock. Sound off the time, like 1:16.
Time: 8:13
